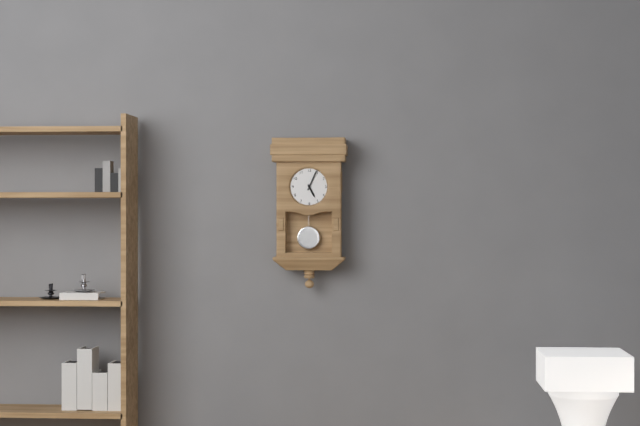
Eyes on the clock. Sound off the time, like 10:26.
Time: 5:04
